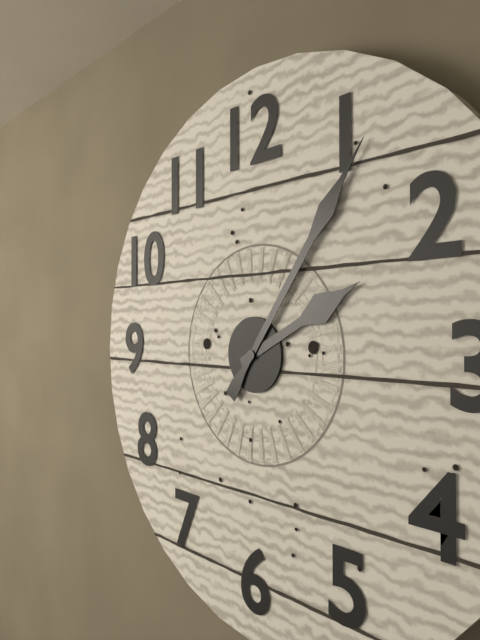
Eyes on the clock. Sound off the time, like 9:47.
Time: 2:06
